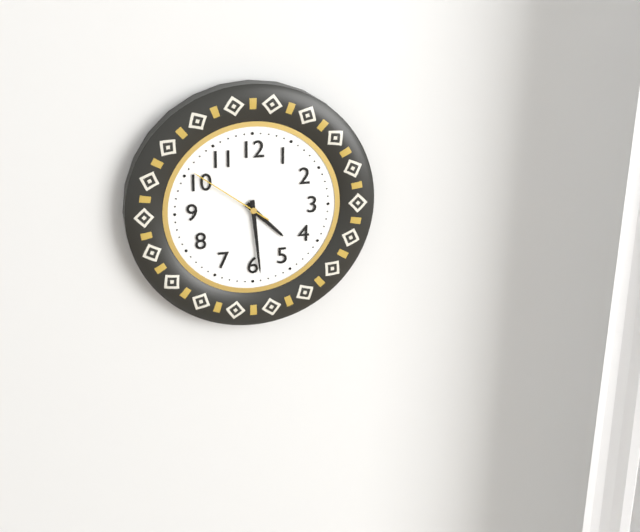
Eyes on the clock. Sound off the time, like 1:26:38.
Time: 4:29:51
